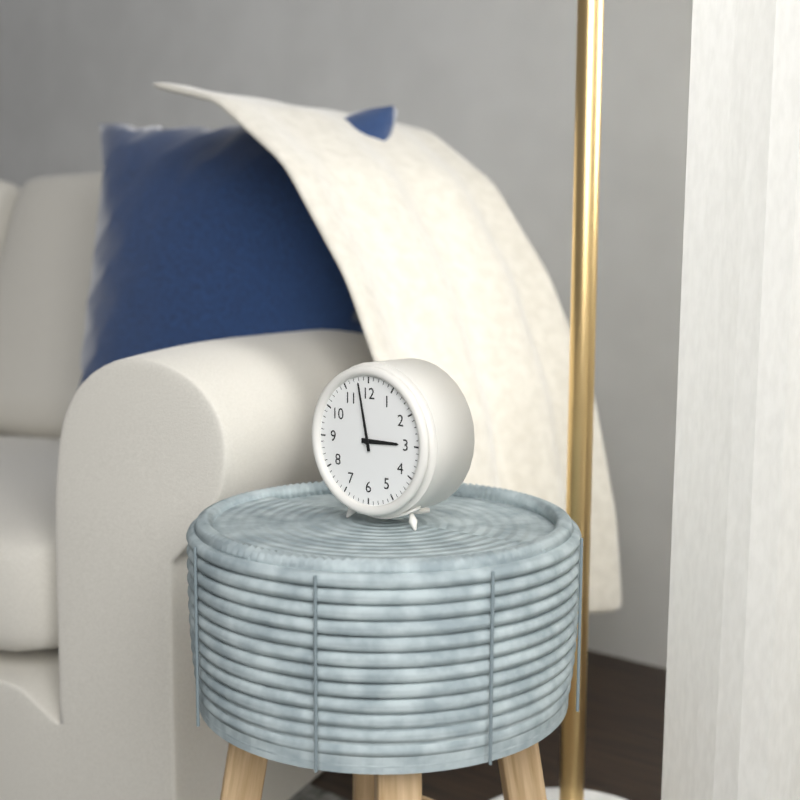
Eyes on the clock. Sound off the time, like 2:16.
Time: 2:58
